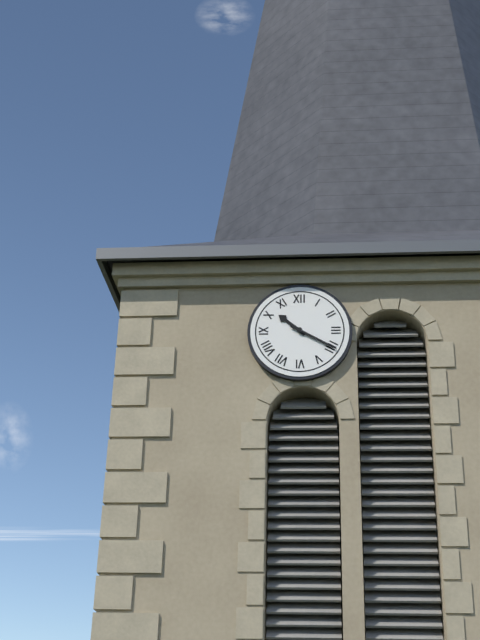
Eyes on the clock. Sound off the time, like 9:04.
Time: 10:20
